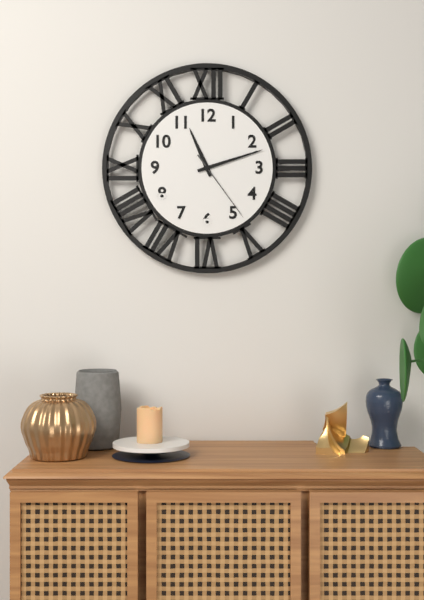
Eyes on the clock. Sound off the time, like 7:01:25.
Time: 11:12:24
